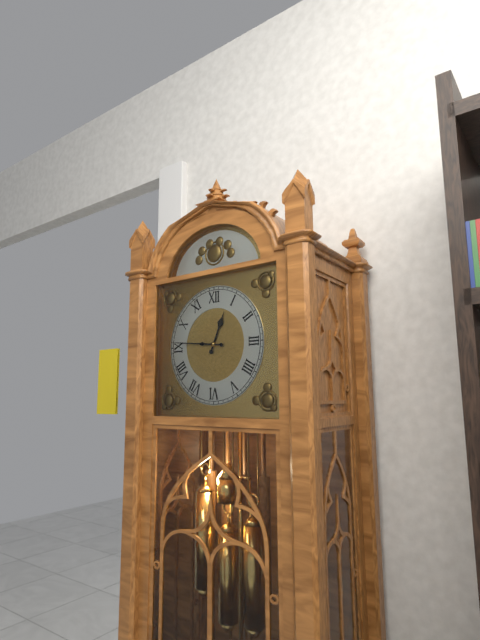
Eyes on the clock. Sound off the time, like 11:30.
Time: 12:46
